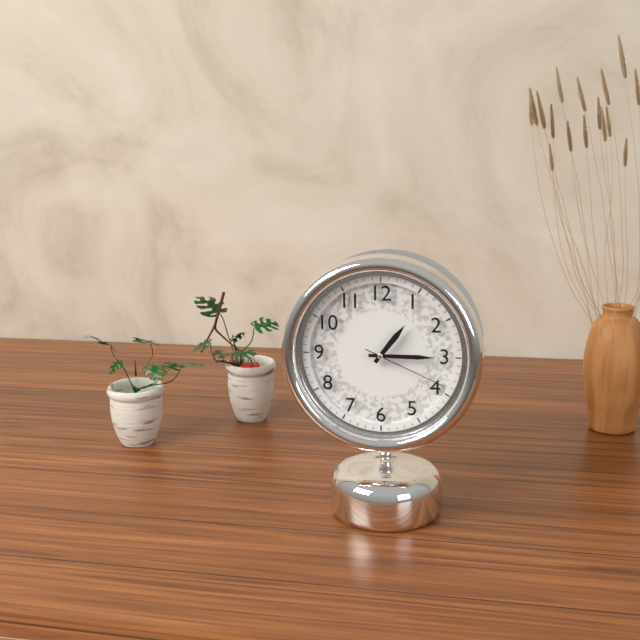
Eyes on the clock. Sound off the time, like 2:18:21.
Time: 1:15:19
